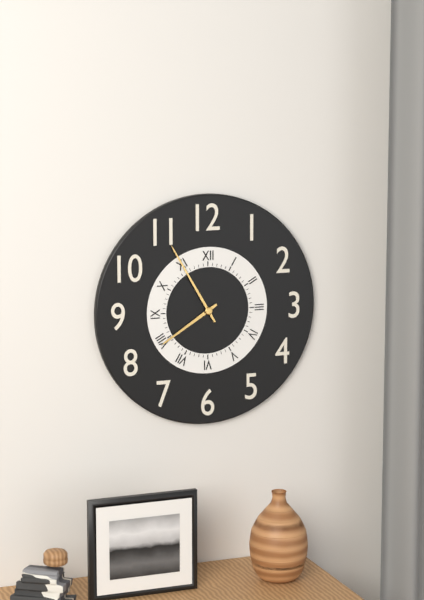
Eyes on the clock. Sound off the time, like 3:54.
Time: 7:55
